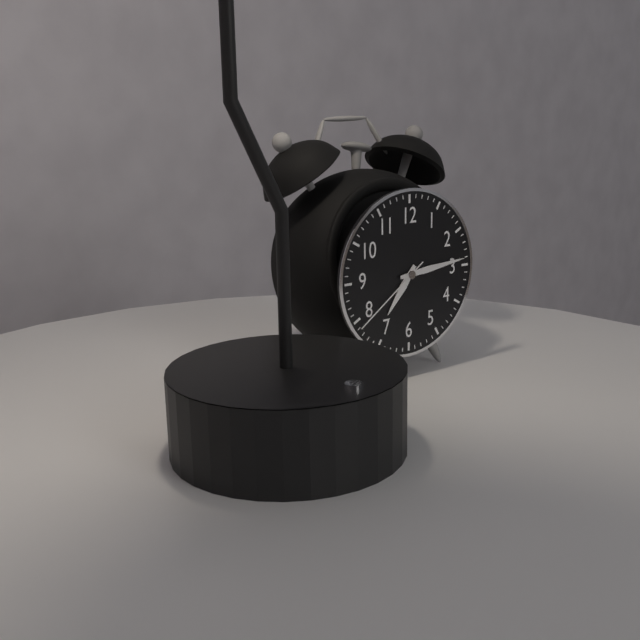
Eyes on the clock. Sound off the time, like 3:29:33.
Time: 7:14:39
